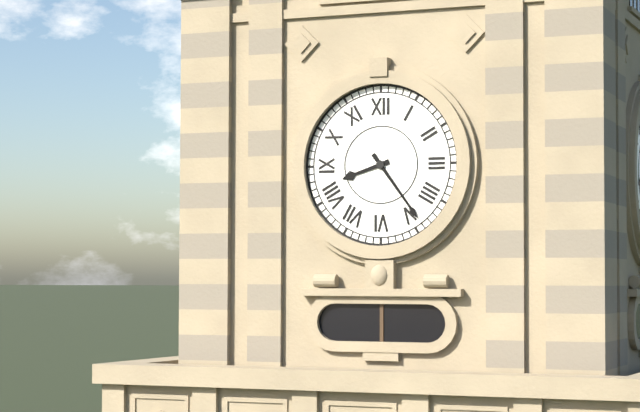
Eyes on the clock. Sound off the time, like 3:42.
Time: 8:24
